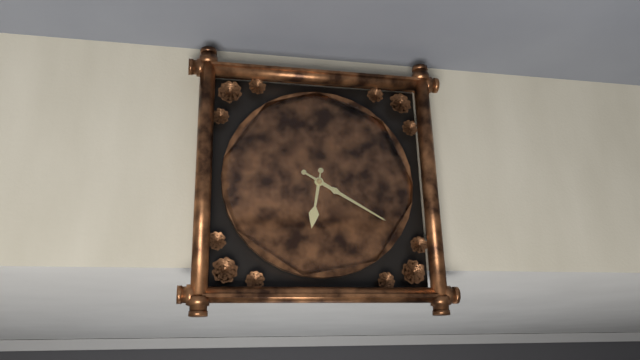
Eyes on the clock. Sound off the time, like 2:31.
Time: 6:20
